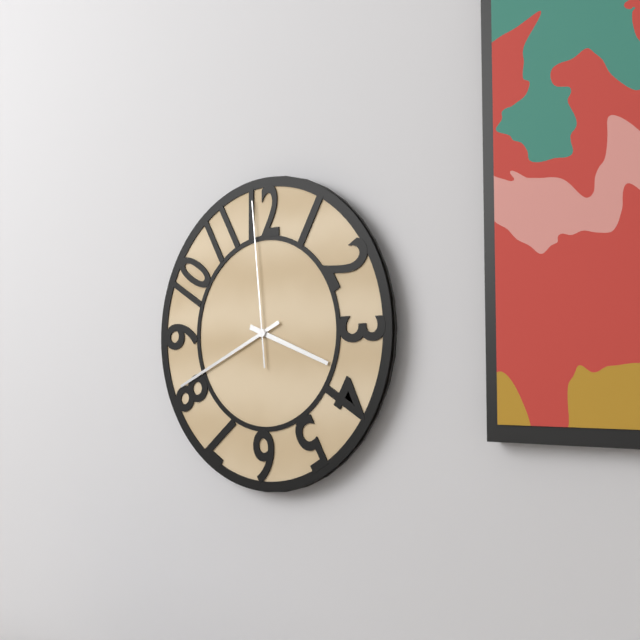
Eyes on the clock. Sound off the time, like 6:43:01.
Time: 3:41:59
